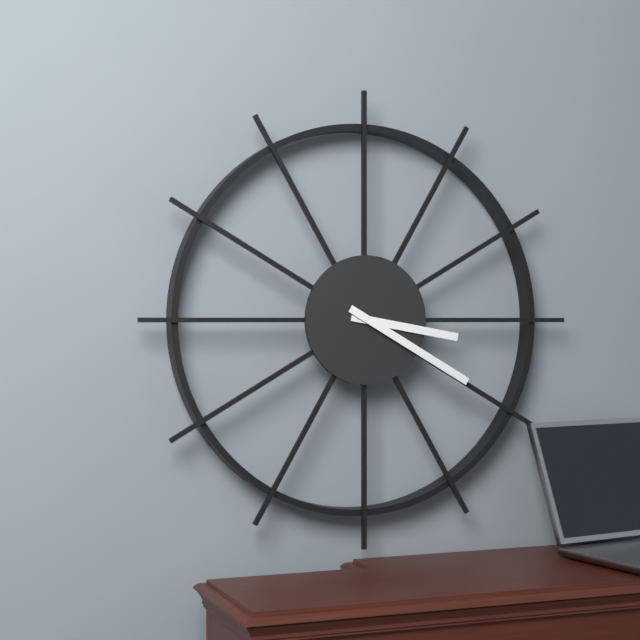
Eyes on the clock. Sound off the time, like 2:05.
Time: 3:20
